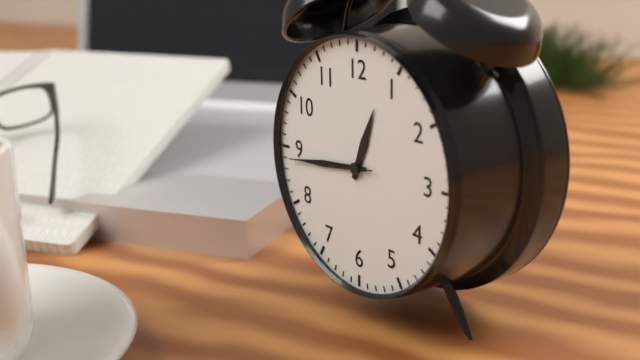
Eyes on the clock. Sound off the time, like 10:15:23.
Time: 12:44:44
